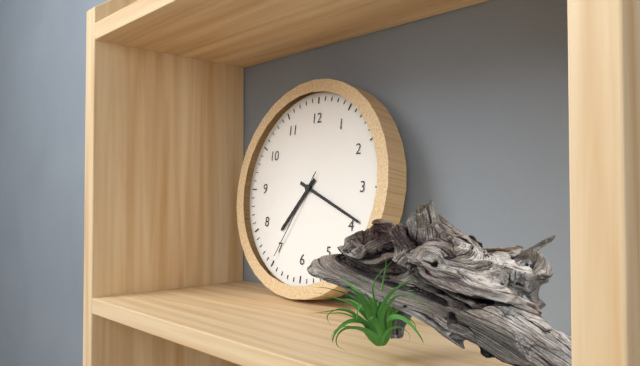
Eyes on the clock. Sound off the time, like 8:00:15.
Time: 7:19:35
